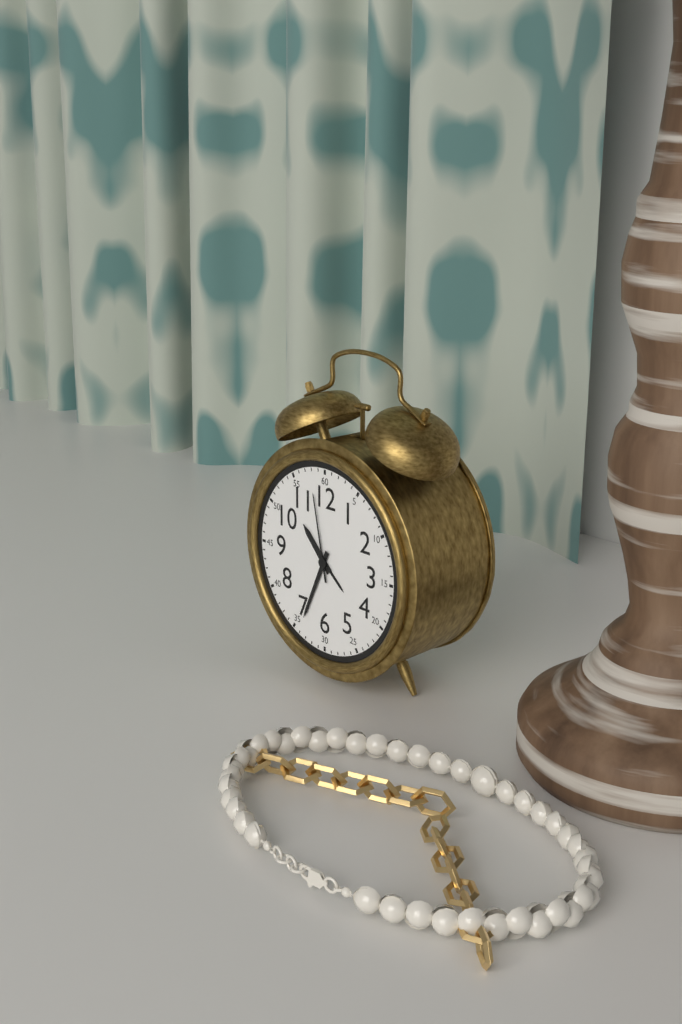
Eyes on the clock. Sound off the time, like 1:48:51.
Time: 10:34:58
